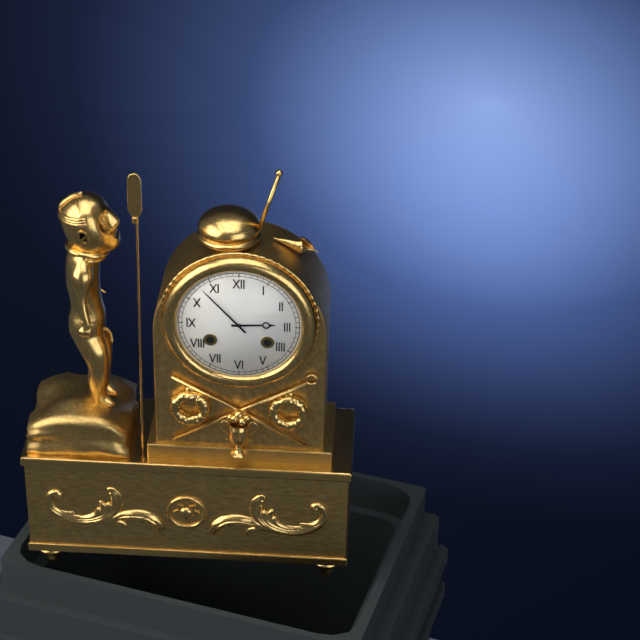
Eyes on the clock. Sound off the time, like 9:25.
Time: 2:53
